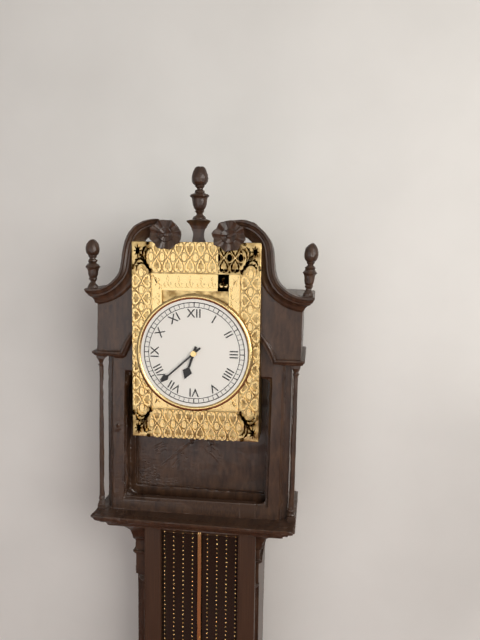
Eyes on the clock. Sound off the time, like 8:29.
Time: 6:38
